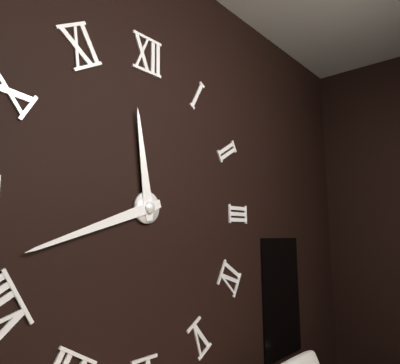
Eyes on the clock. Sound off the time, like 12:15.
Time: 11:42
